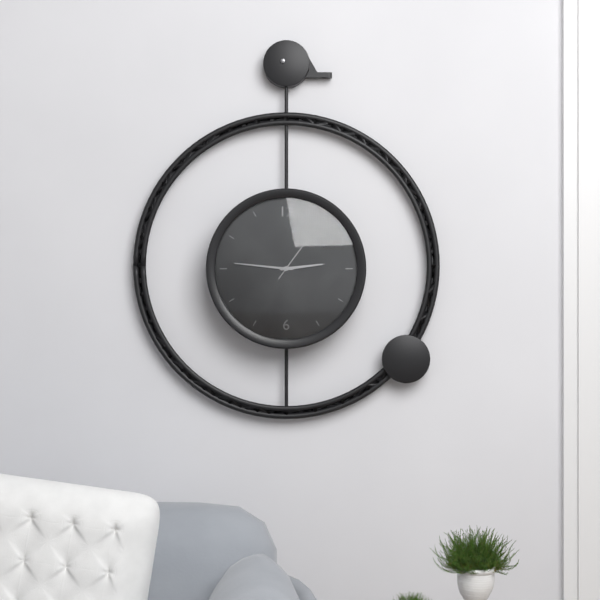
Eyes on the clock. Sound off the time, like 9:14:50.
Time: 2:46:06
